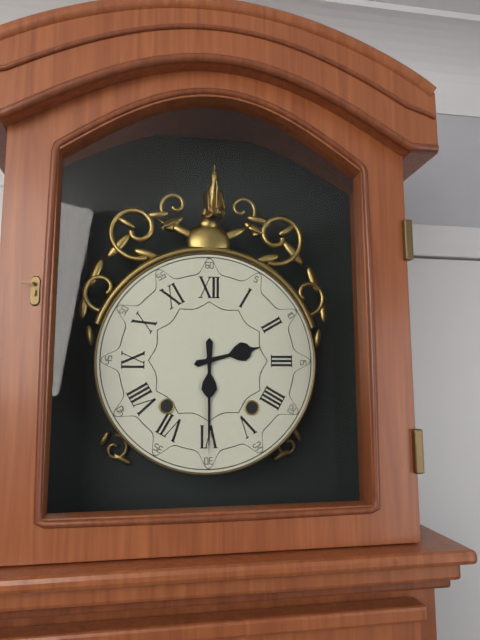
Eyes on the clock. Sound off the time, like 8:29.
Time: 2:30
